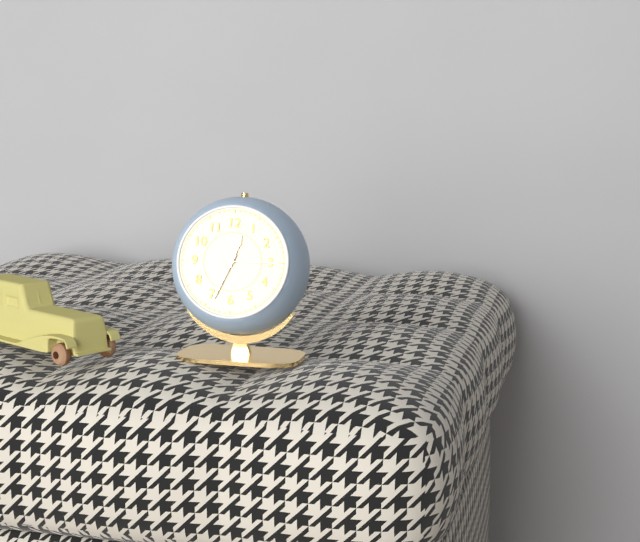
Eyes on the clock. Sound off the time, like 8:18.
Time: 12:34
